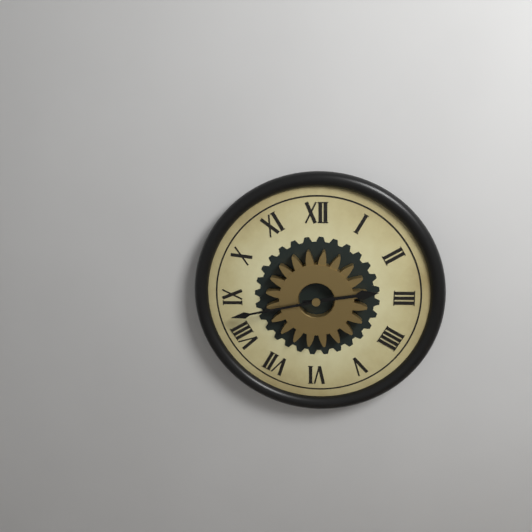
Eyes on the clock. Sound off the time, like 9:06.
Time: 2:43
